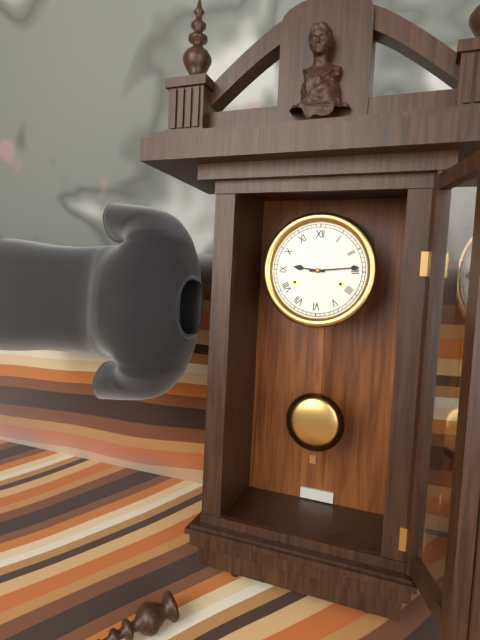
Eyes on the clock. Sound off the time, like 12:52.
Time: 9:14
